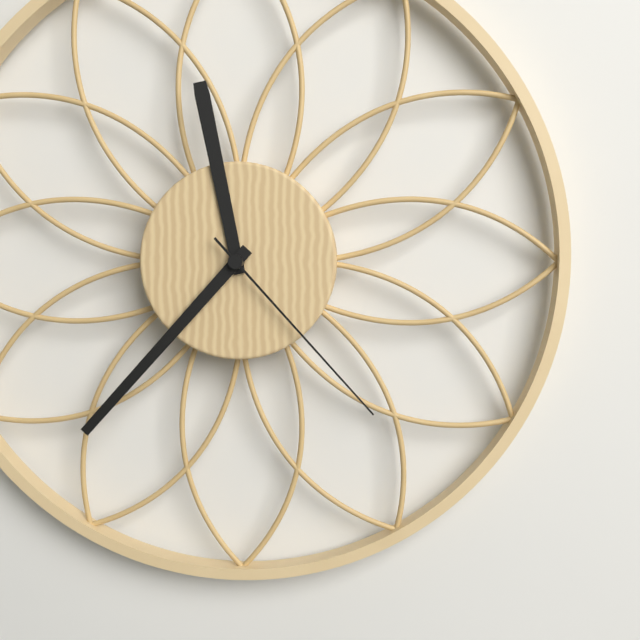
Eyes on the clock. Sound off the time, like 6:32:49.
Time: 11:37:23
